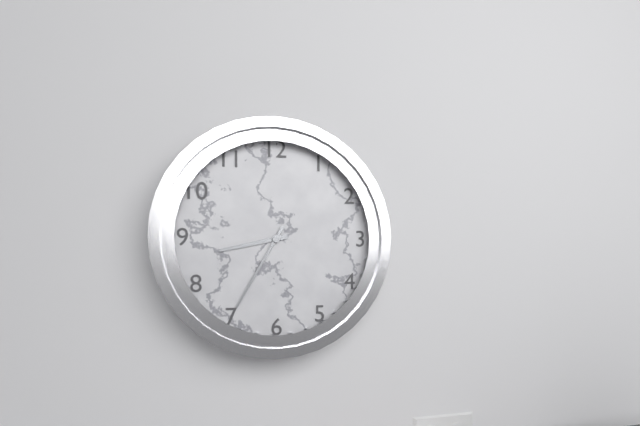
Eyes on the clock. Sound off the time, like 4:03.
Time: 8:35
